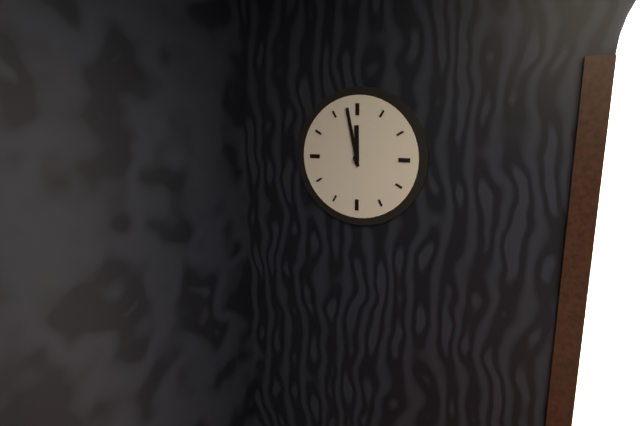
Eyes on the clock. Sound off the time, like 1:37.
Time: 11:58
